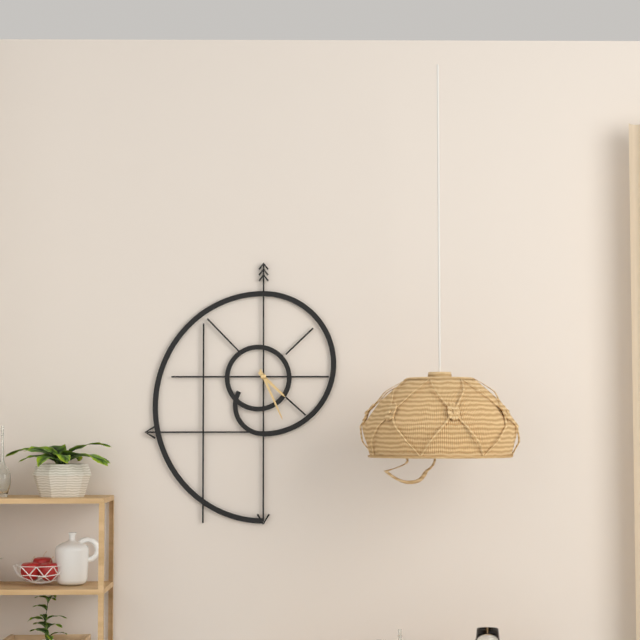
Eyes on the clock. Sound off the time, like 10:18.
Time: 4:26
